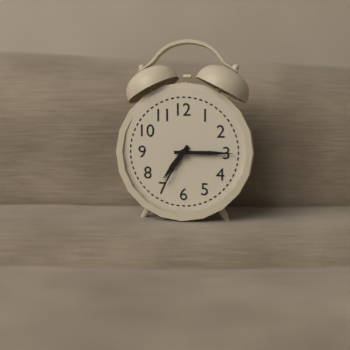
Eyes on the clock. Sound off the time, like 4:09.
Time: 7:15
